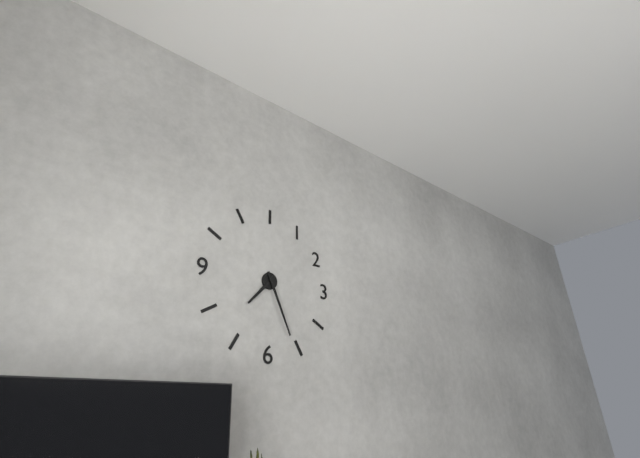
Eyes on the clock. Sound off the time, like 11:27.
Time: 7:26
